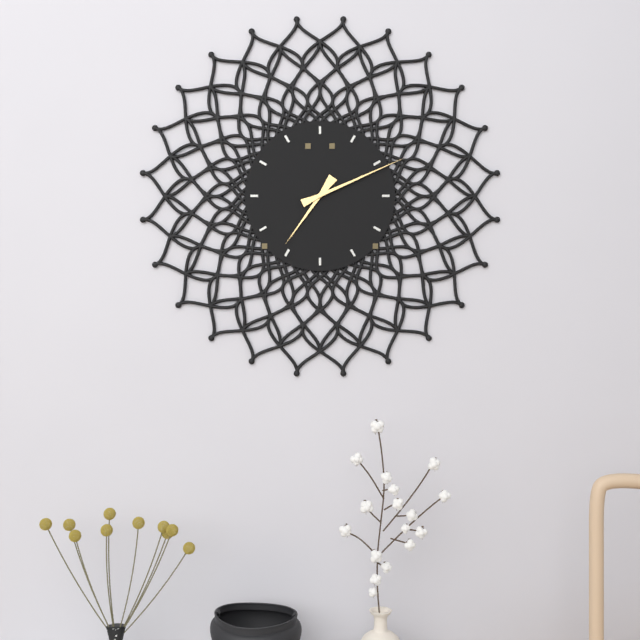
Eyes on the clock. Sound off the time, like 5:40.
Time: 7:11
